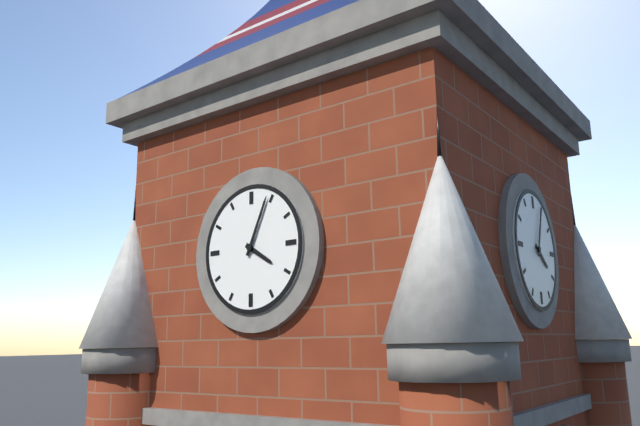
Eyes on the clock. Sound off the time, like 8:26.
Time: 4:04
